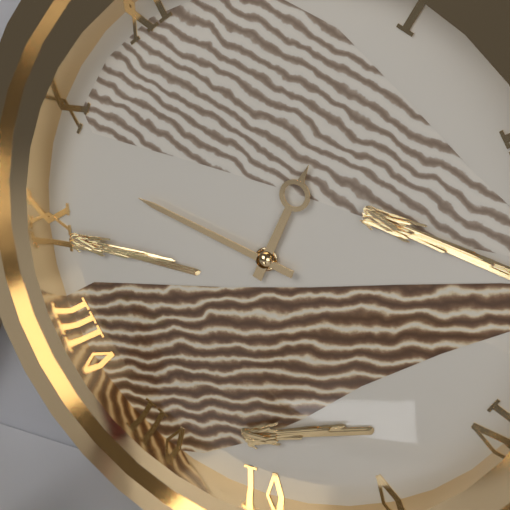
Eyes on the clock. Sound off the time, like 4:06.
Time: 12:48
